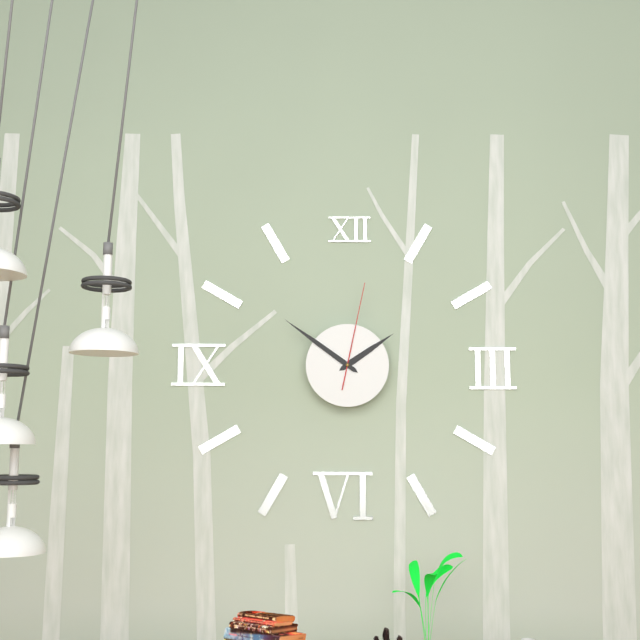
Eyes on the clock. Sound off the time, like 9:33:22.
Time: 1:51:02
